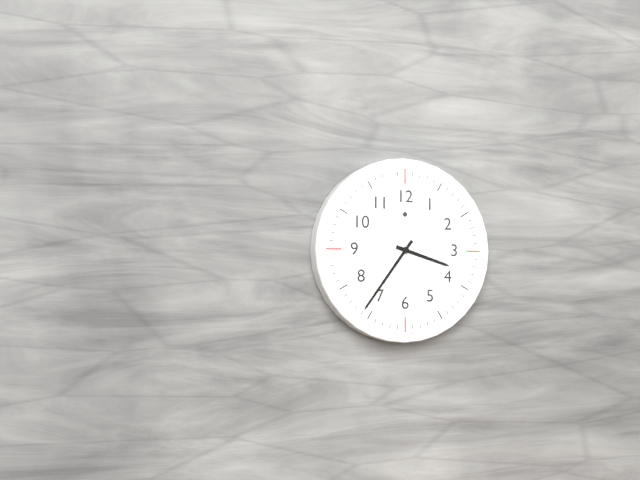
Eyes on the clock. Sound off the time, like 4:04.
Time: 3:36
